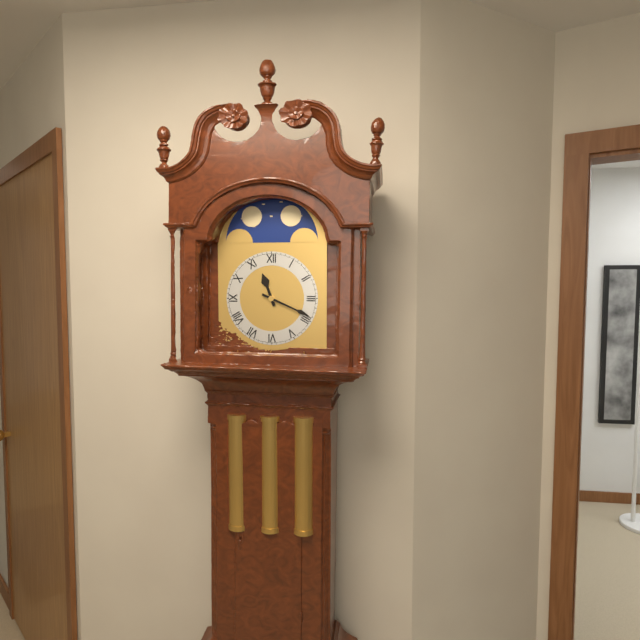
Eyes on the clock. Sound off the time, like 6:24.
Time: 11:19
